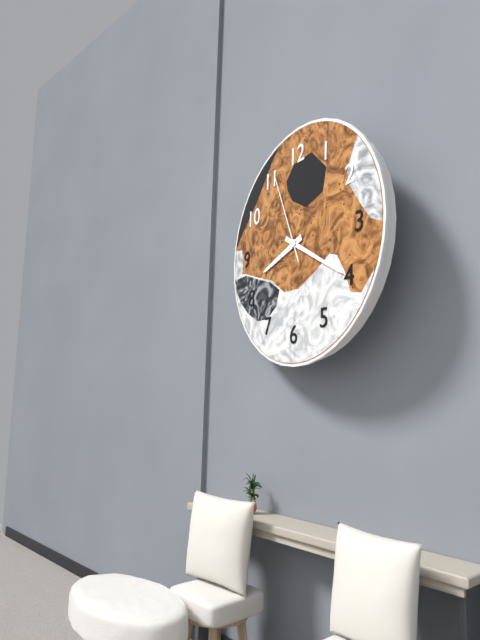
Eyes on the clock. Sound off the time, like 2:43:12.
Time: 8:20:56
